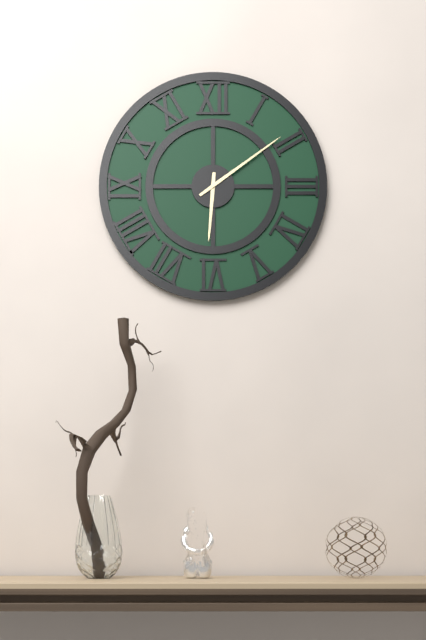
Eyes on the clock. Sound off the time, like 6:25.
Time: 6:09
